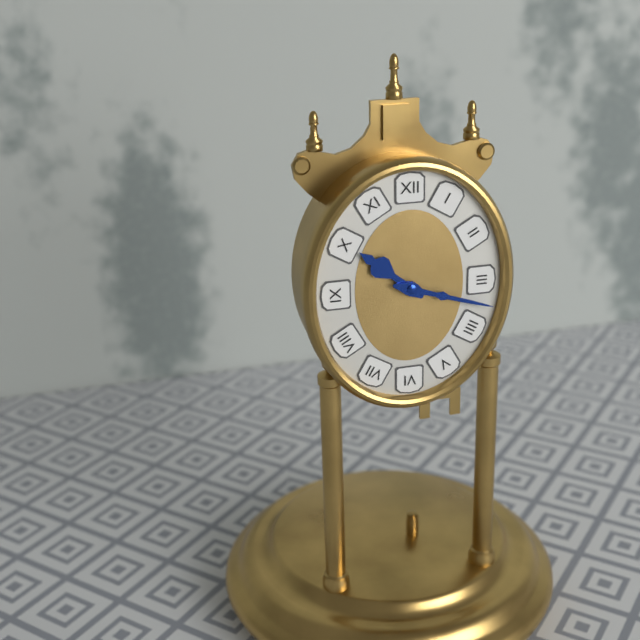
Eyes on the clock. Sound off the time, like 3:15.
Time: 10:18
